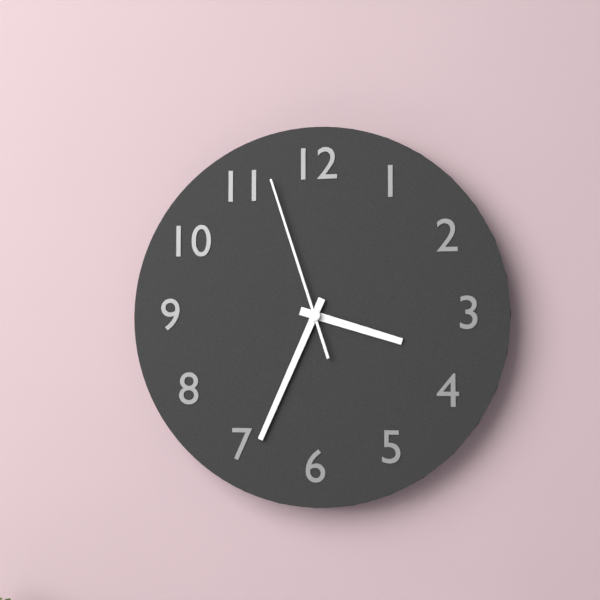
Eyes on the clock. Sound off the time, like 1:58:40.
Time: 3:34:57
